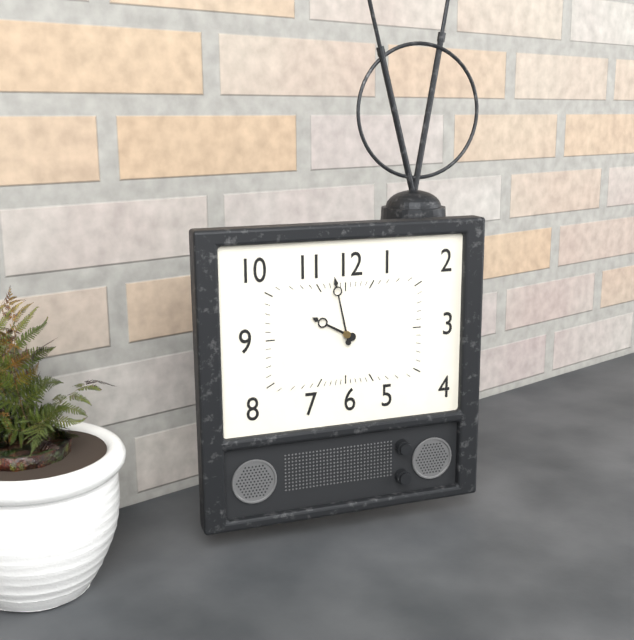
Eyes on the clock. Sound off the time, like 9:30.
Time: 9:58
